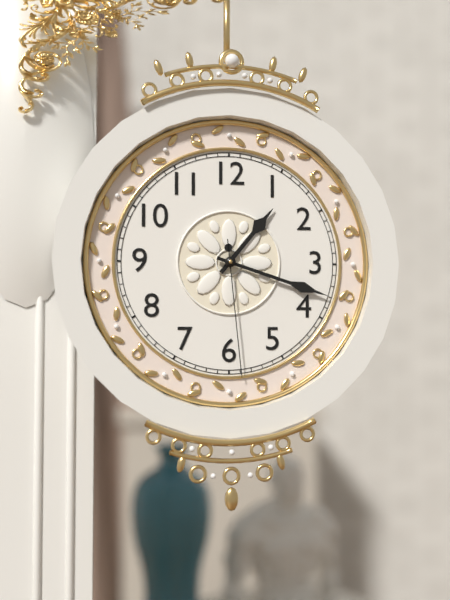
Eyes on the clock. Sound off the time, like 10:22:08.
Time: 1:18:29
